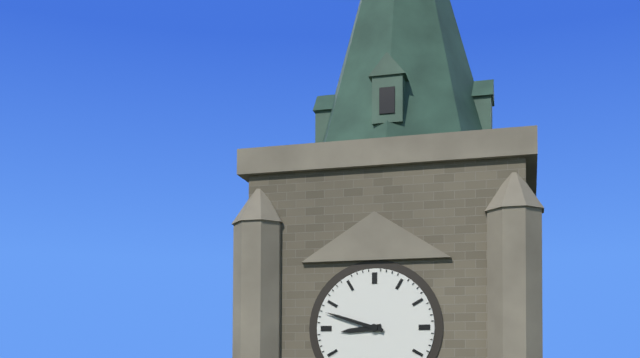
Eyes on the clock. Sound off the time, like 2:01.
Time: 8:48
